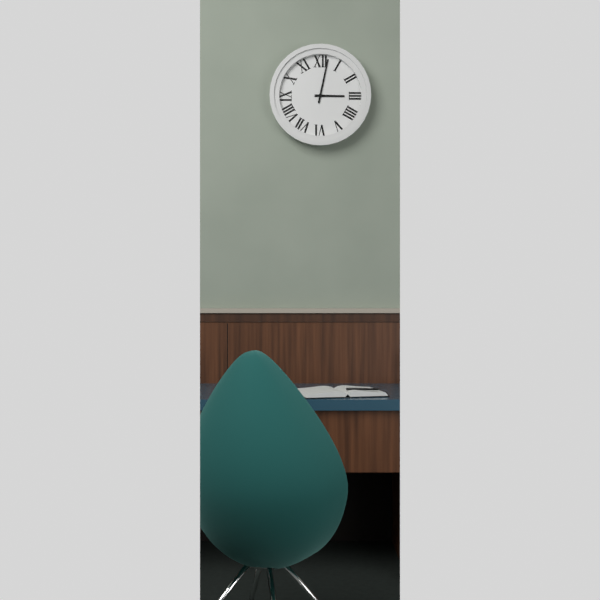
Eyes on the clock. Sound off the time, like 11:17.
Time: 3:02
